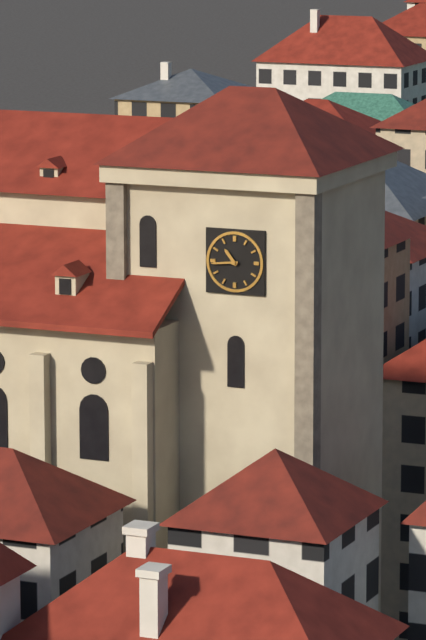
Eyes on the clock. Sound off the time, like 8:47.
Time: 10:44
